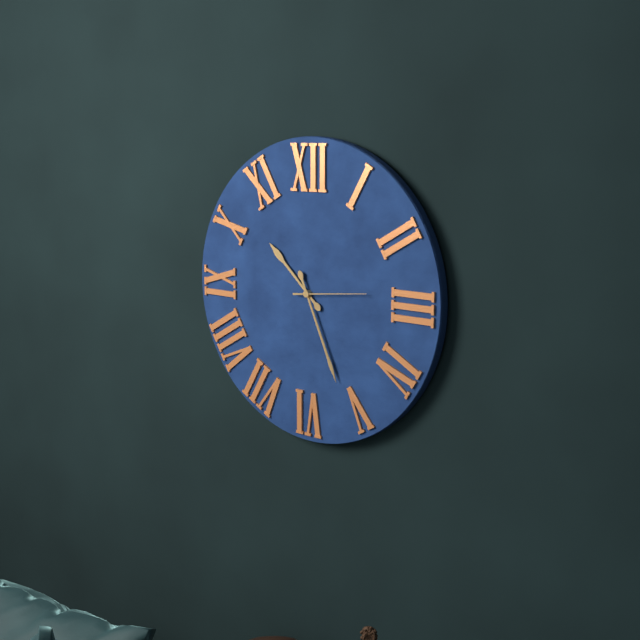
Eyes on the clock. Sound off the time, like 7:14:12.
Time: 10:26:14
